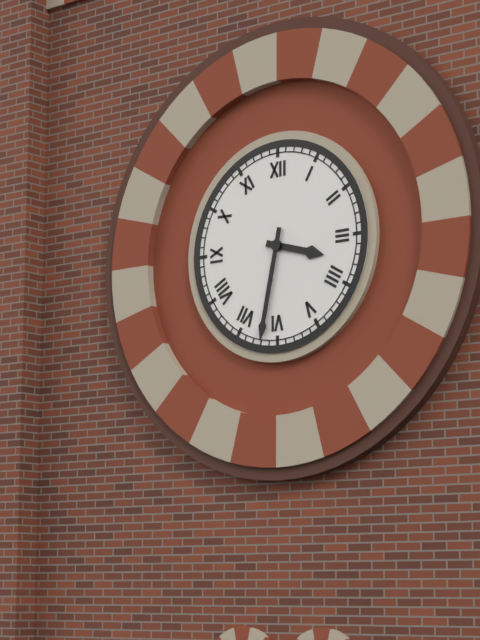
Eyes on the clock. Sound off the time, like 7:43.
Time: 3:32
